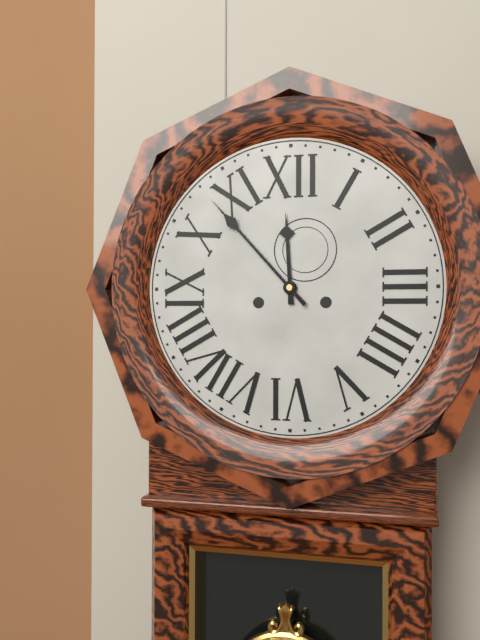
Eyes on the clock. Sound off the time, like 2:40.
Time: 11:53
